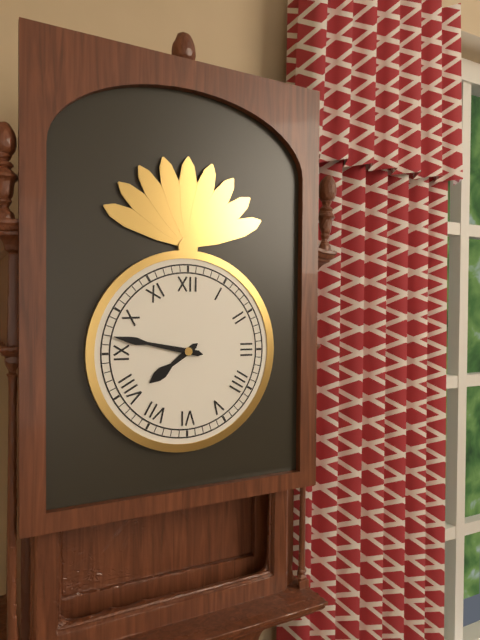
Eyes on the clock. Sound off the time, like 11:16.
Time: 7:47
